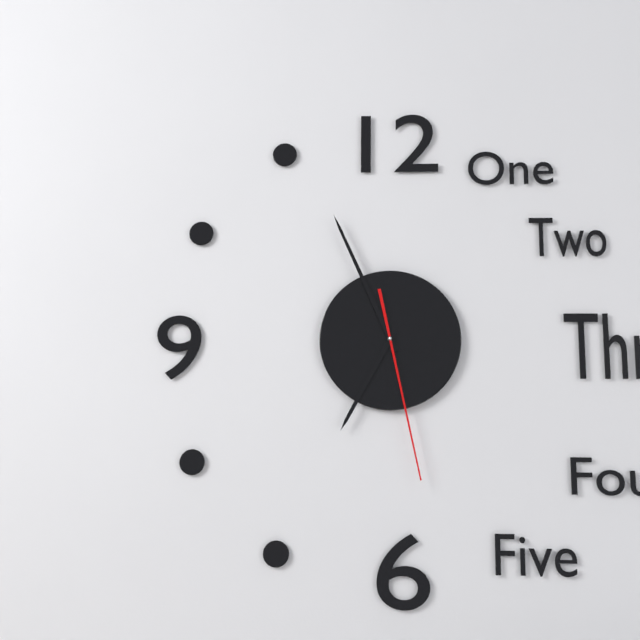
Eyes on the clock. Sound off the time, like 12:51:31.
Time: 6:56:28
